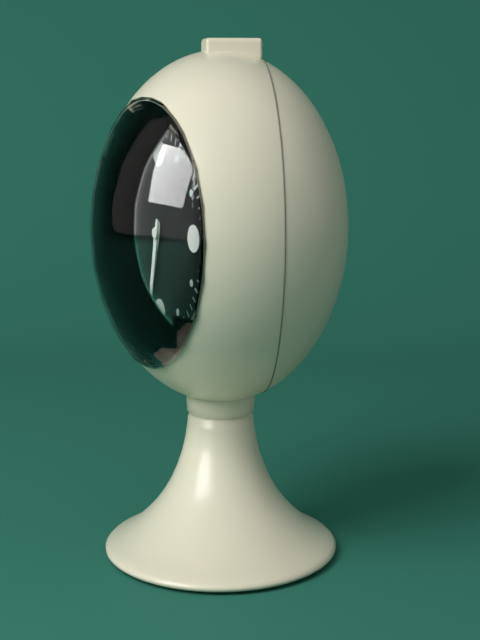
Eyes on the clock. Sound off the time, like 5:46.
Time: 6:32
